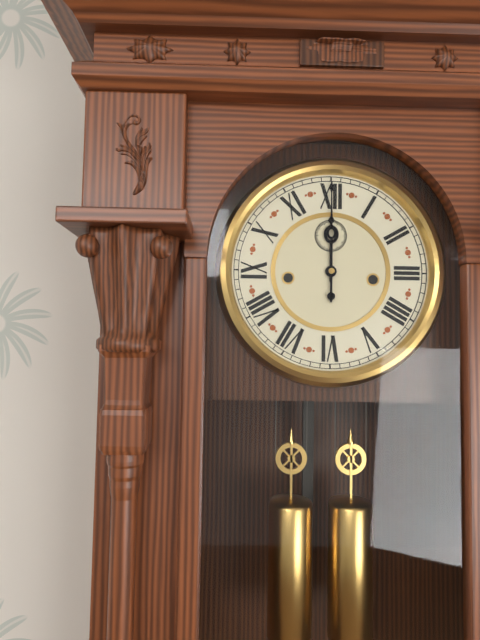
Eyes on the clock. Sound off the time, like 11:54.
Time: 12:00
